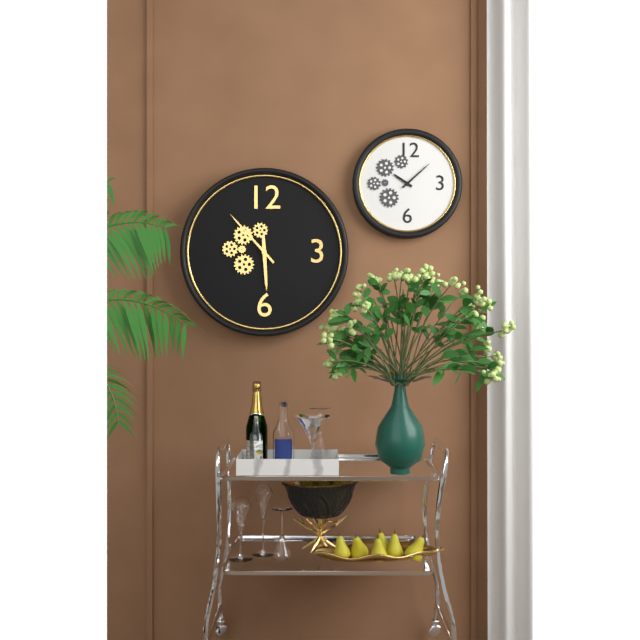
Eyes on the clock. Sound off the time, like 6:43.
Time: 5:53
